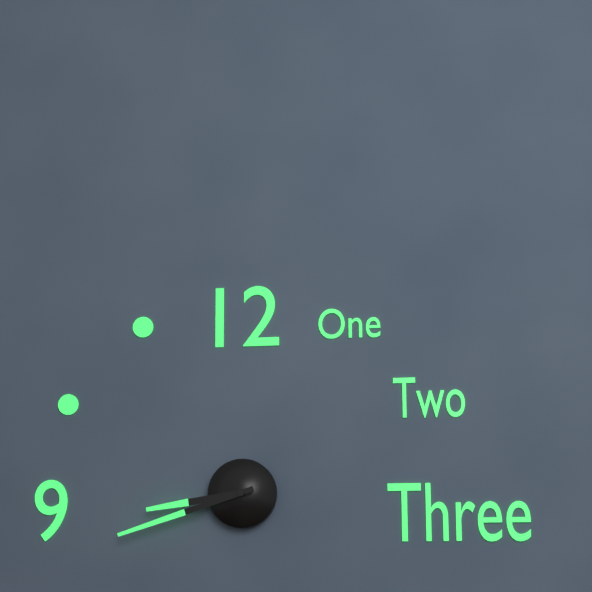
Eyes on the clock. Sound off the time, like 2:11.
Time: 8:42
